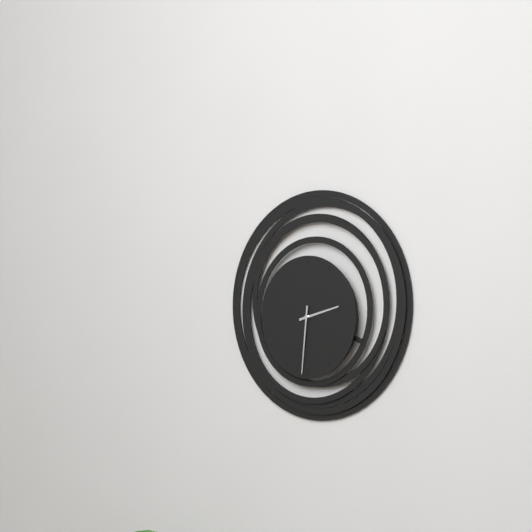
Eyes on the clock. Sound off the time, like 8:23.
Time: 2:31
